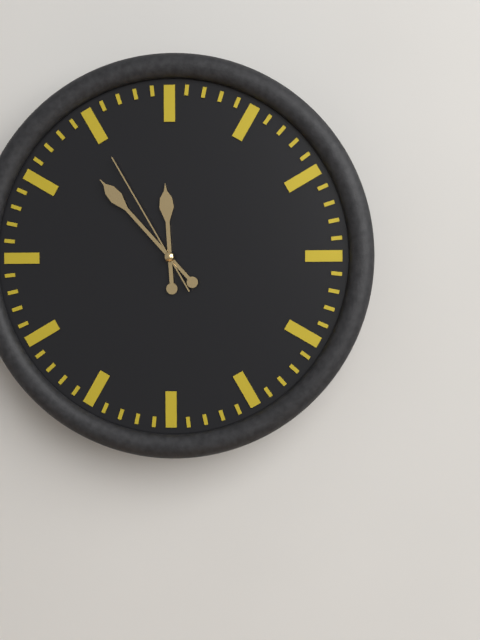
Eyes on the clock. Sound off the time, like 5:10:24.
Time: 11:53:55
